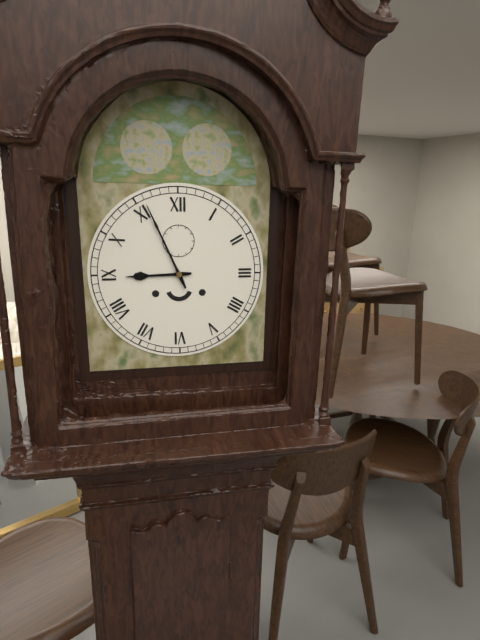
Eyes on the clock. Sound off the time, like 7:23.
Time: 8:56
